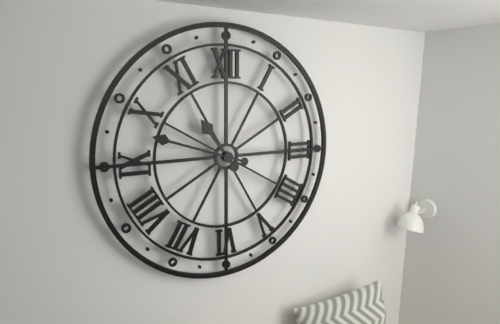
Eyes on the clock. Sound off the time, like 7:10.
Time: 10:48
